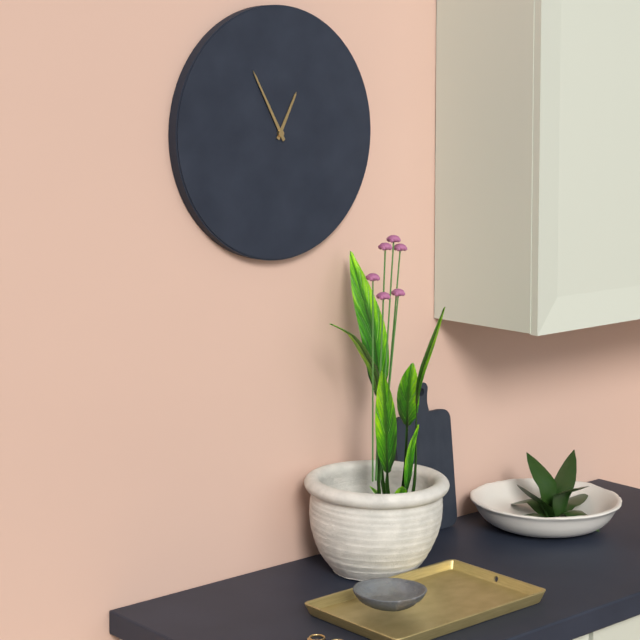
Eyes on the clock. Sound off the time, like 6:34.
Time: 12:55
